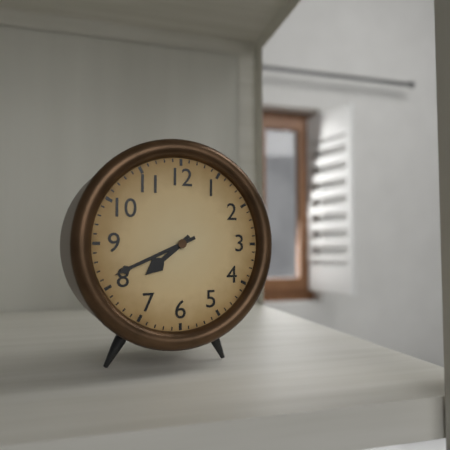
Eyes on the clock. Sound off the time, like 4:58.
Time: 7:41
